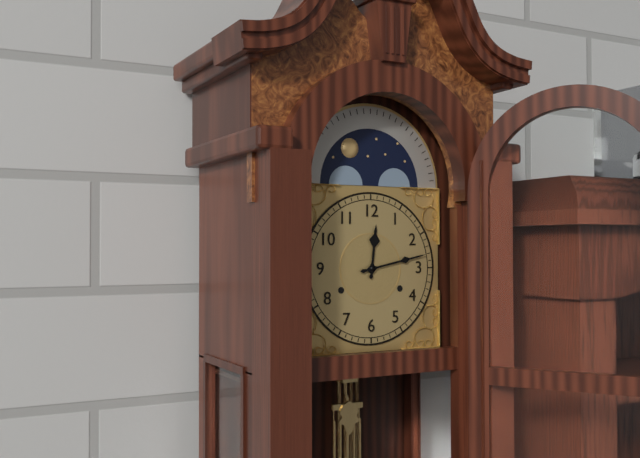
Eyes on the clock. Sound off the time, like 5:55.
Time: 12:13
